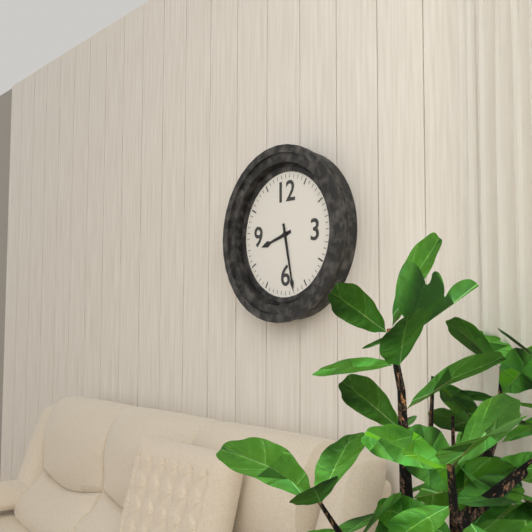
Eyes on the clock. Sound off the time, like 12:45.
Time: 8:28
